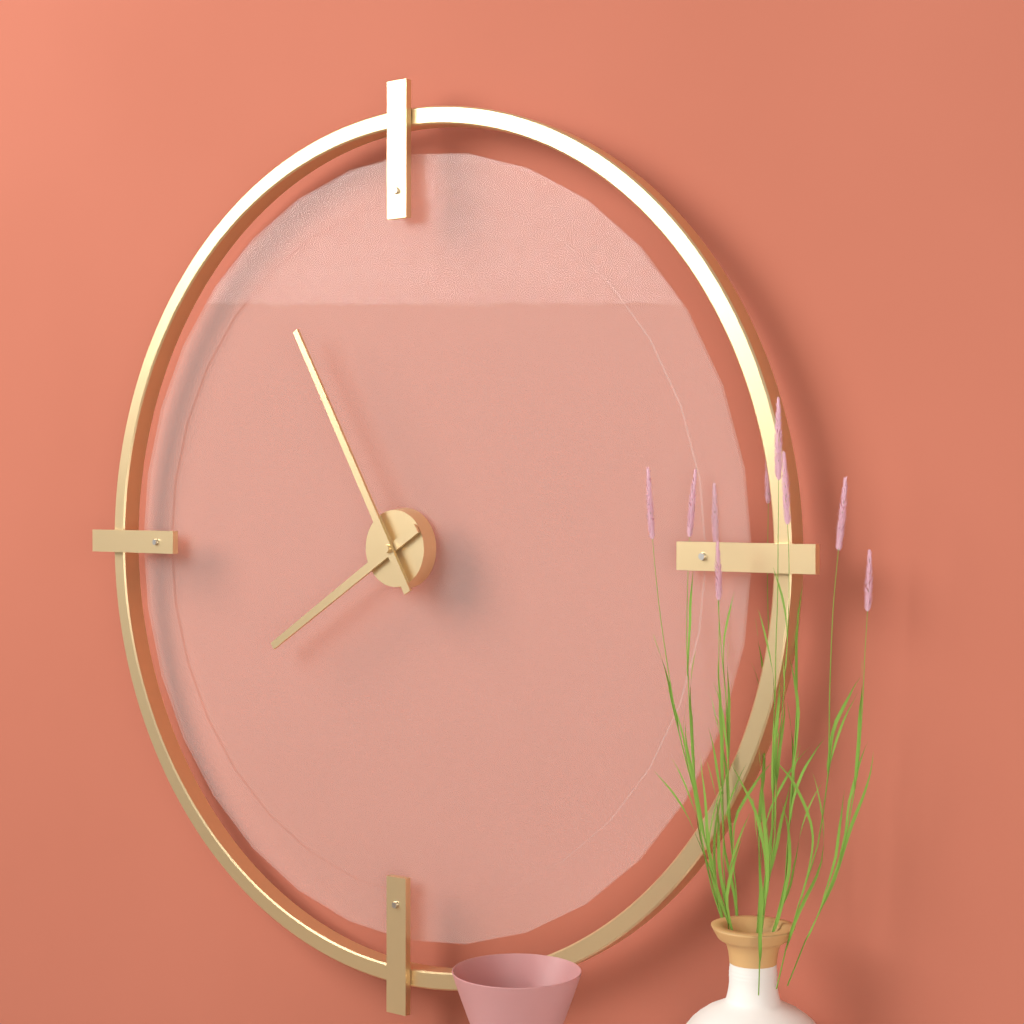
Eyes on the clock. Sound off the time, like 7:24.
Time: 7:55
